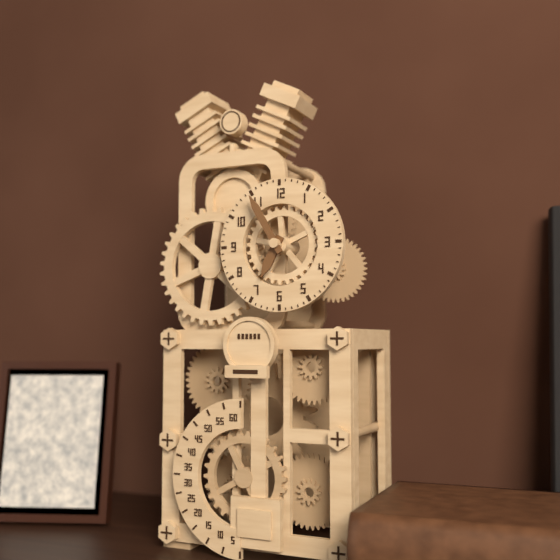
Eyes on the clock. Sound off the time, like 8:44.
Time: 6:55
